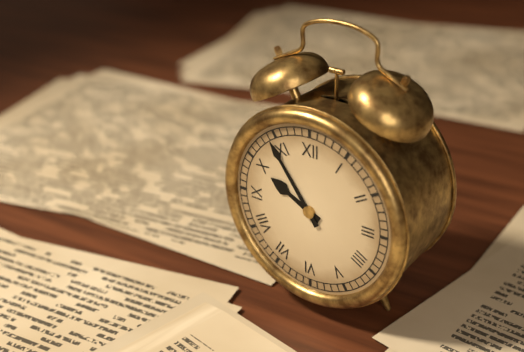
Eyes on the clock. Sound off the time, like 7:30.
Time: 9:54
